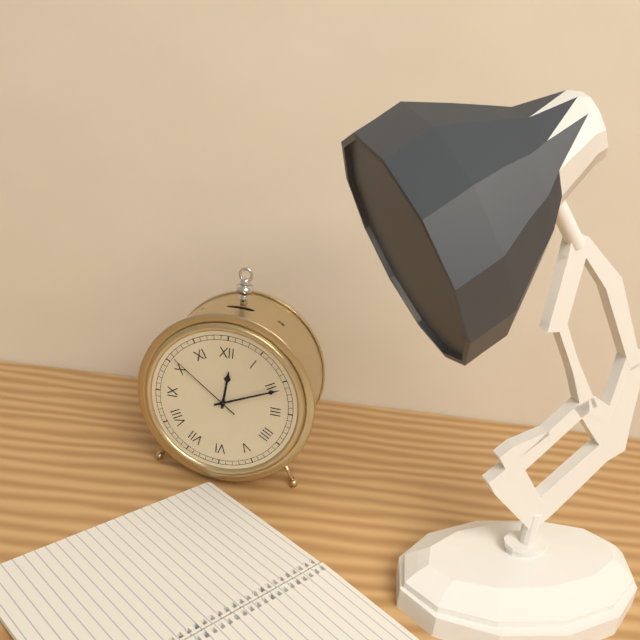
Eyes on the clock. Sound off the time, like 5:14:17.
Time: 12:11:51
